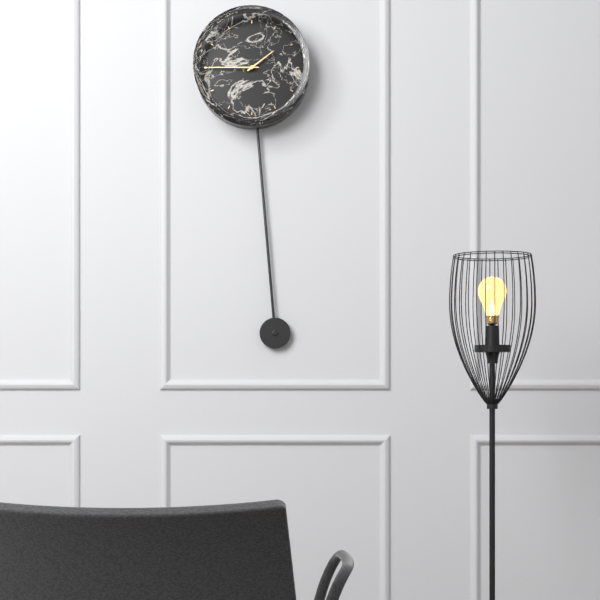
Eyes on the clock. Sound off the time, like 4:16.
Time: 1:45
